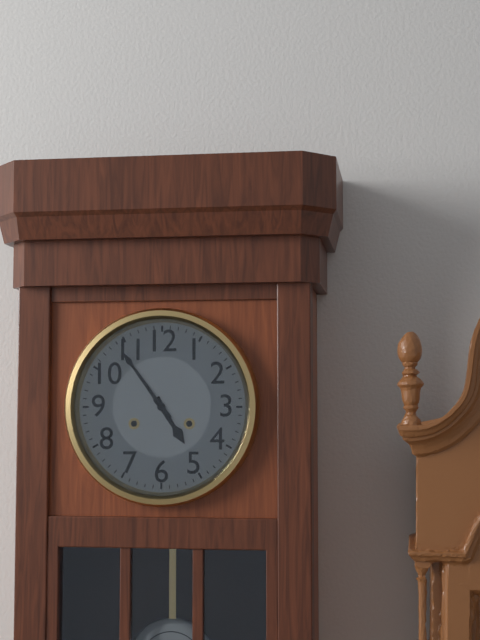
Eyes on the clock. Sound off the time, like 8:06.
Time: 4:54
